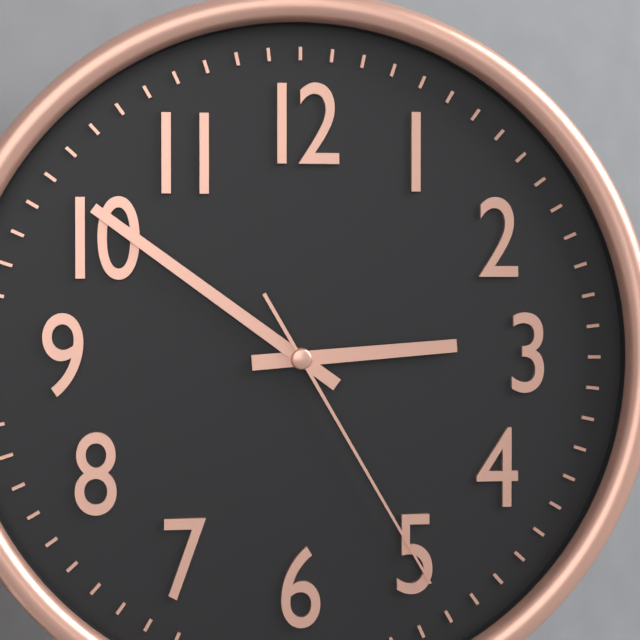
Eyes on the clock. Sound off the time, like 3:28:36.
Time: 2:51:25
